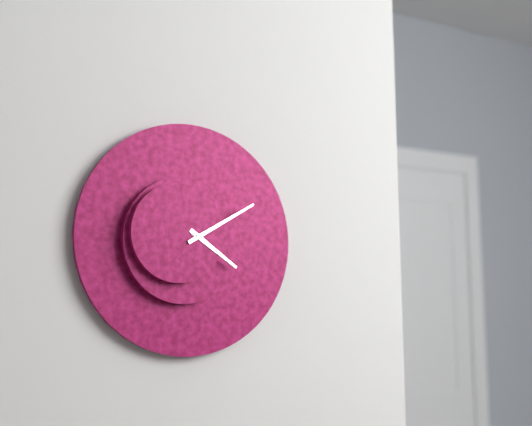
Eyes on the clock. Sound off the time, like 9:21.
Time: 4:10
